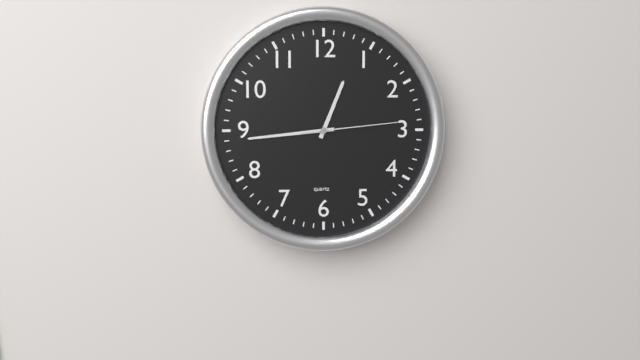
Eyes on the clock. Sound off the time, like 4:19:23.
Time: 12:44:14
